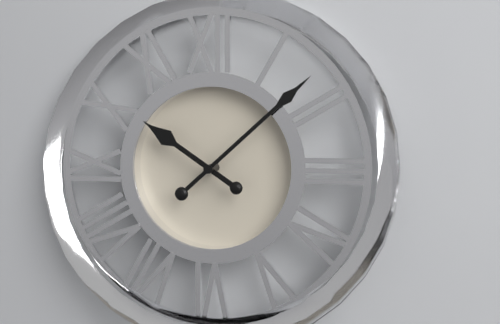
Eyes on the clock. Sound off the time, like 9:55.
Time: 10:08
